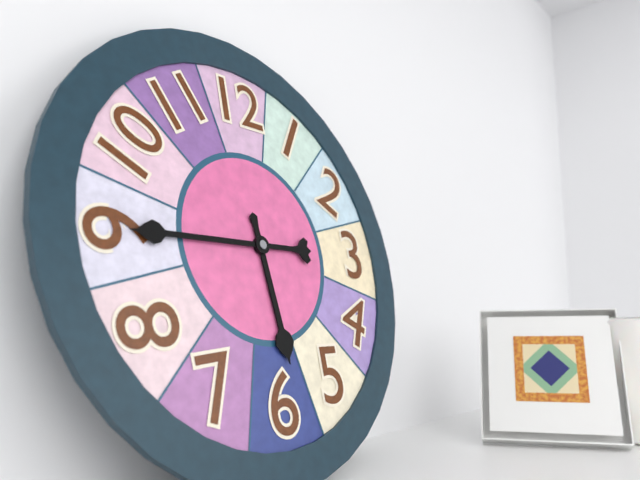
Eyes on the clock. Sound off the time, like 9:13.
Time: 5:45
